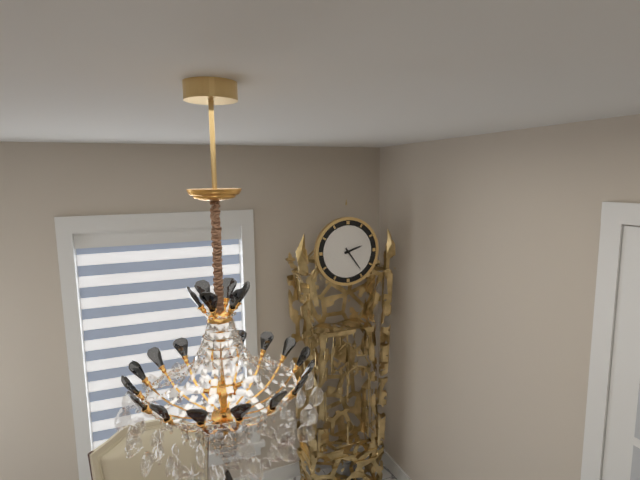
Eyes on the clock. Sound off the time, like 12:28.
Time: 2:24
